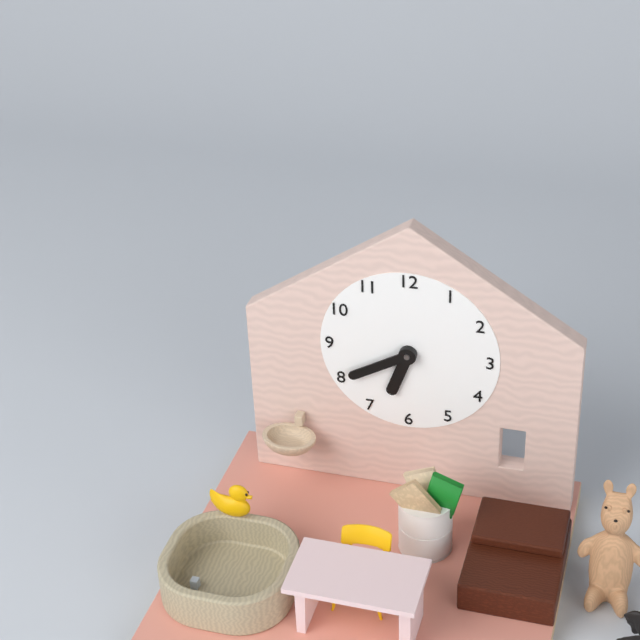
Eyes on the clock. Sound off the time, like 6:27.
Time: 6:40
